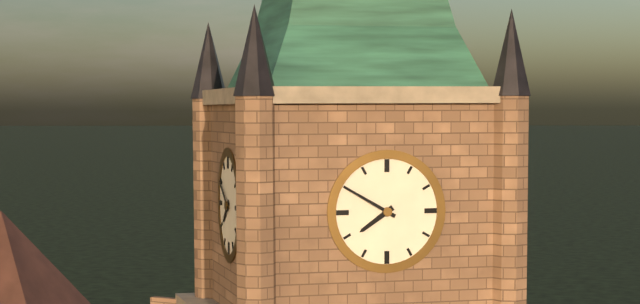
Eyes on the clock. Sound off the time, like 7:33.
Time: 7:50
